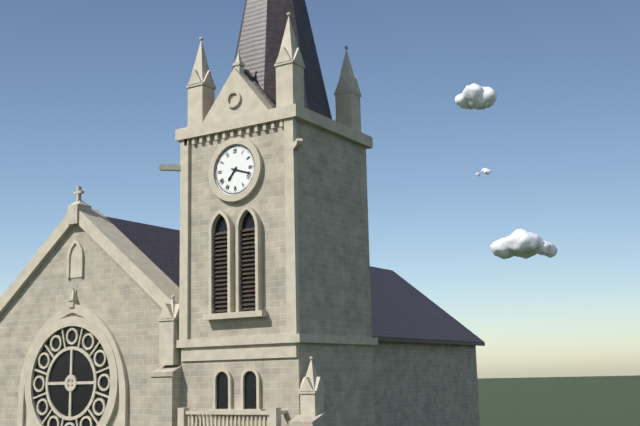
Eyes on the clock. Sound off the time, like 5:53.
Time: 7:18
